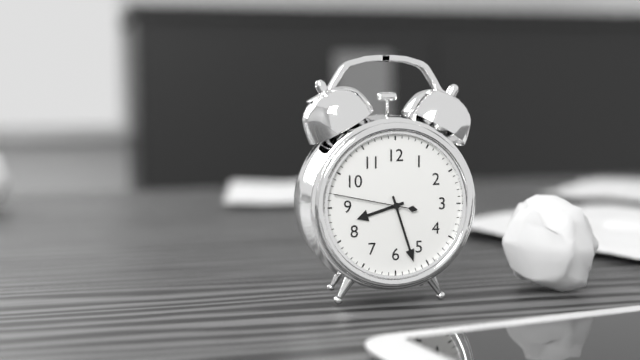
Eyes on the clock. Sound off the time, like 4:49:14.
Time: 8:27:47
